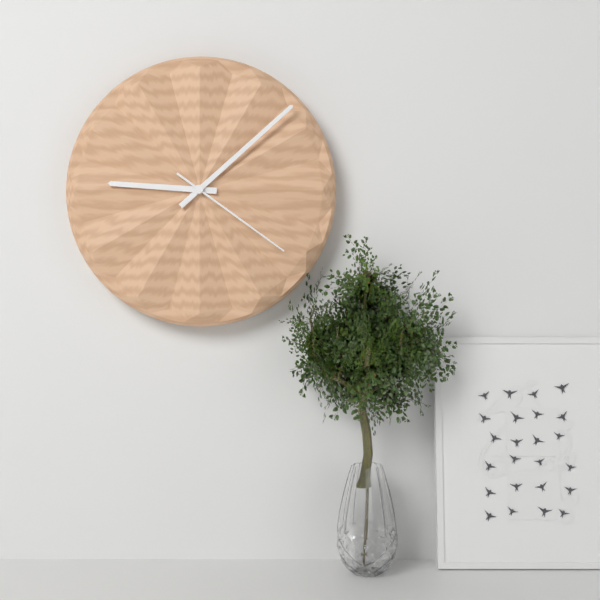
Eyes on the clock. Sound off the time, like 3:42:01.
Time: 9:08:21
